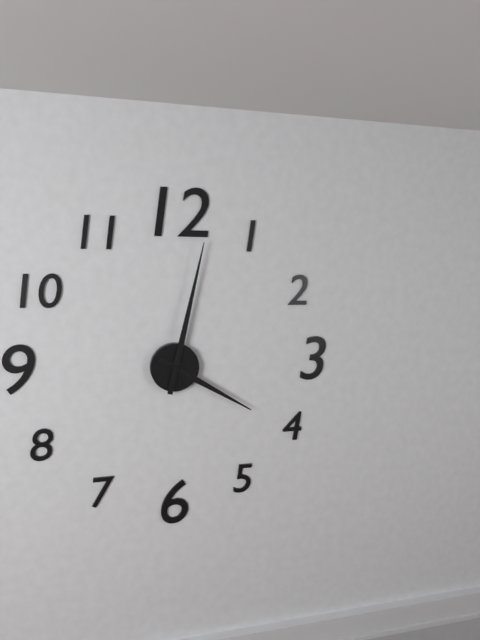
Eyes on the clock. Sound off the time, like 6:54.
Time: 4:02
